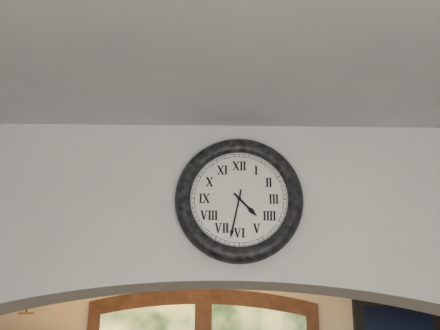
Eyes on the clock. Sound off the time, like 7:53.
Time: 4:32
